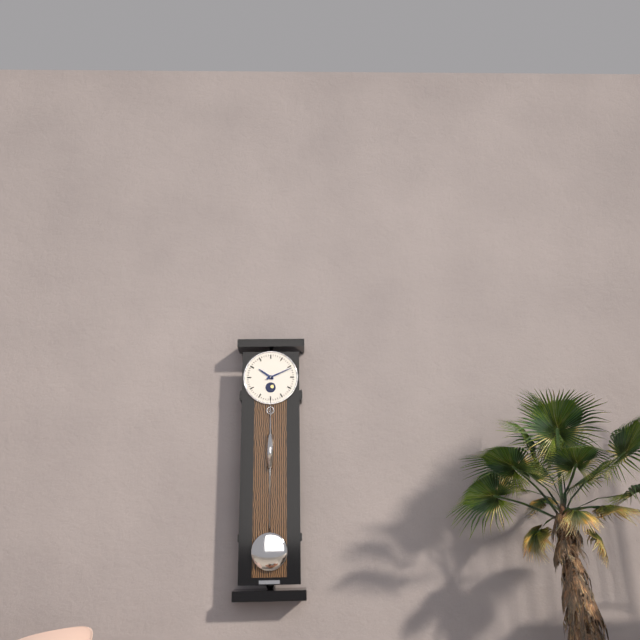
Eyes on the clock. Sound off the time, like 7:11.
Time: 10:11
